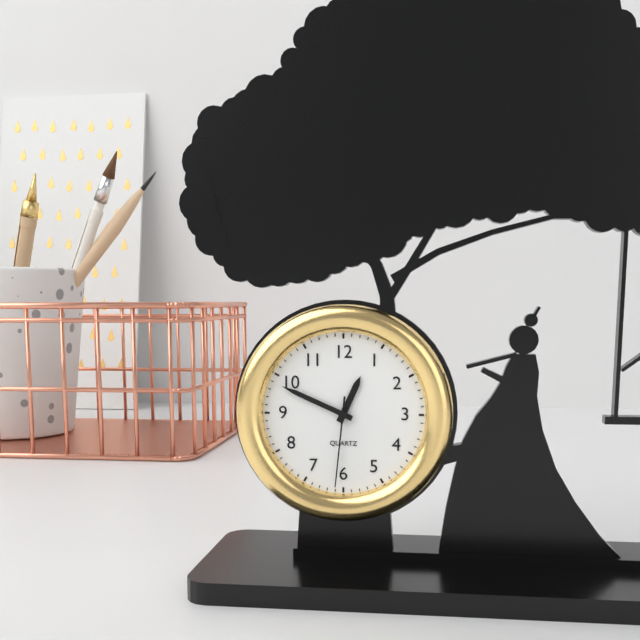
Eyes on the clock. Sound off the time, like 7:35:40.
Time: 12:49:31
